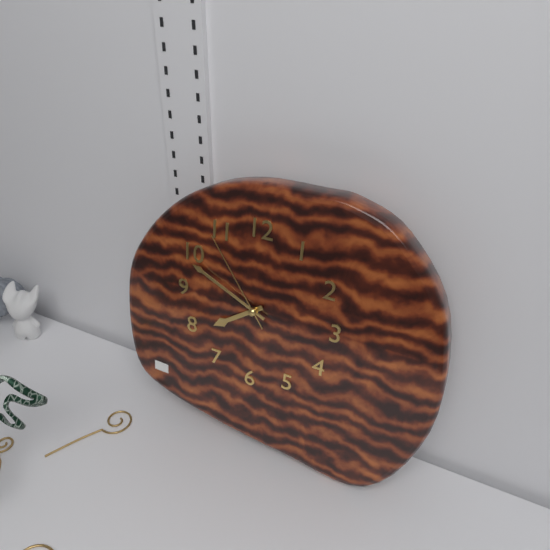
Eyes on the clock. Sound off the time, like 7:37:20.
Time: 7:49:54
